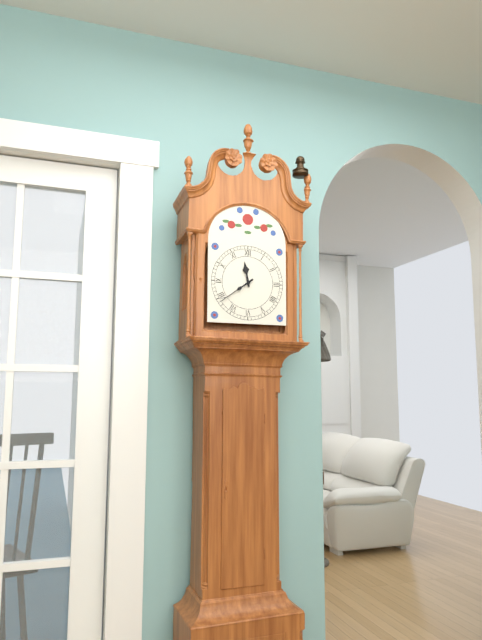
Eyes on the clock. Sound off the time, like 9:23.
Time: 11:39
